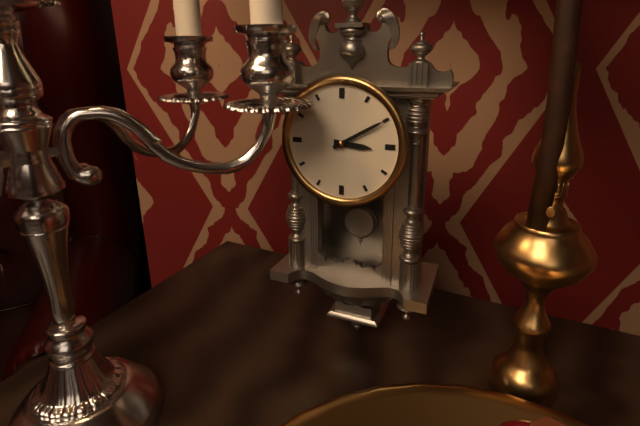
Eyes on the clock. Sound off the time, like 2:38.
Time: 3:10
